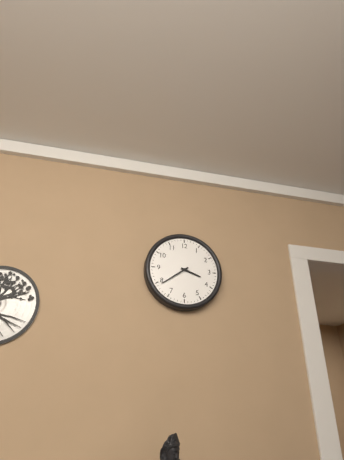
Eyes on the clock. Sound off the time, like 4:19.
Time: 3:39
